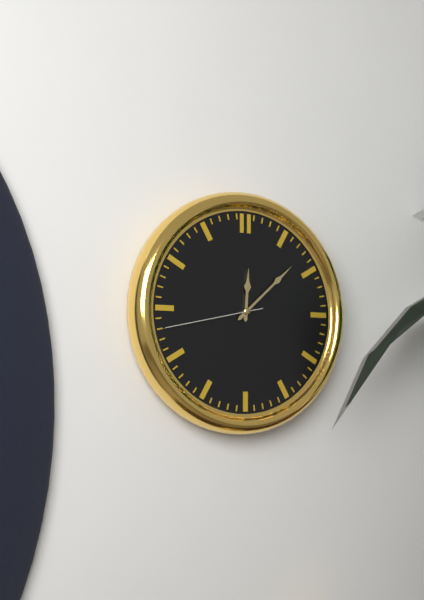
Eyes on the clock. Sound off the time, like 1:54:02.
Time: 12:08:43
